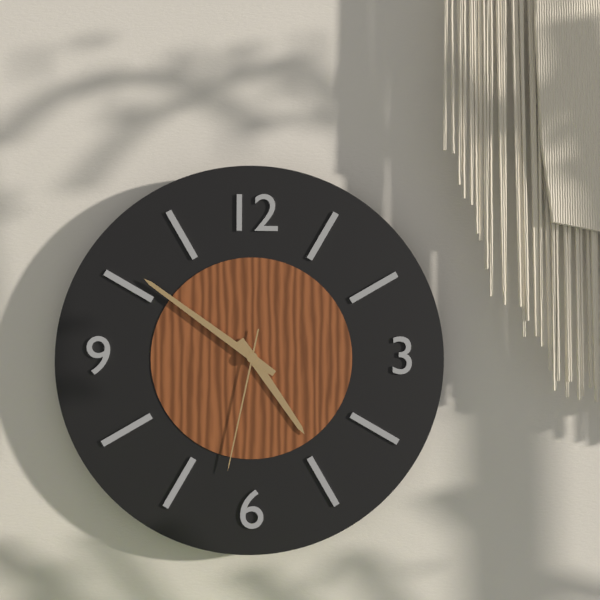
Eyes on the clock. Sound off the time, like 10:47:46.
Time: 4:51:32
